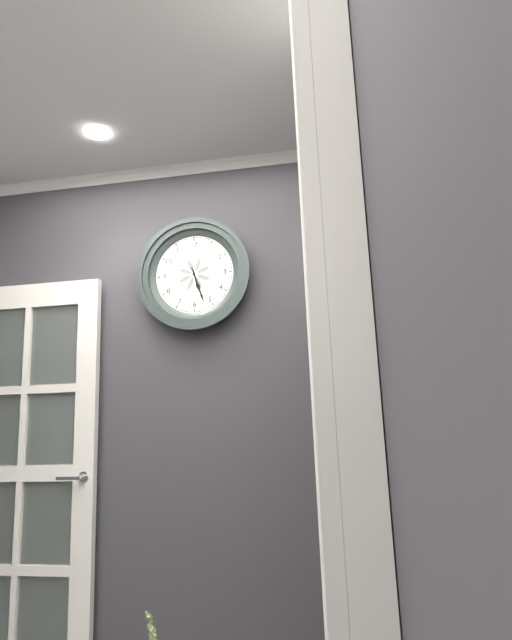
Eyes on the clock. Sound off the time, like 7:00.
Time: 5:27
